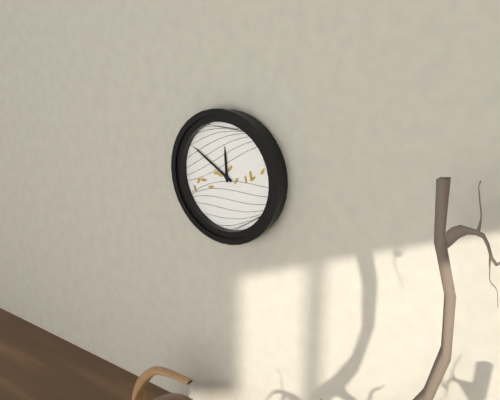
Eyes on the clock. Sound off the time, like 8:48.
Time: 11:50
